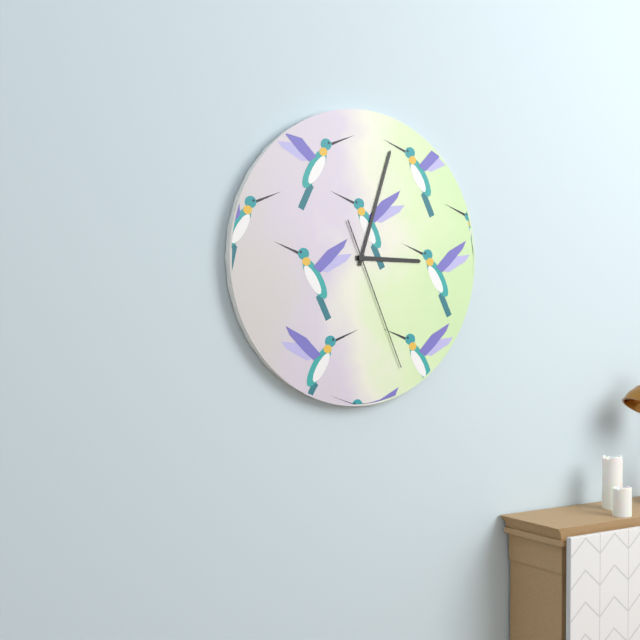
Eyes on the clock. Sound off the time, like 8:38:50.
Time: 3:03:26
